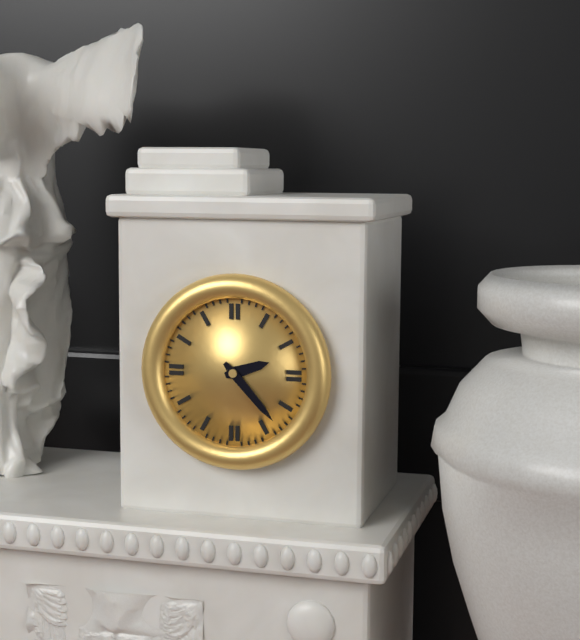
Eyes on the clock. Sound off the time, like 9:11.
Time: 2:23
